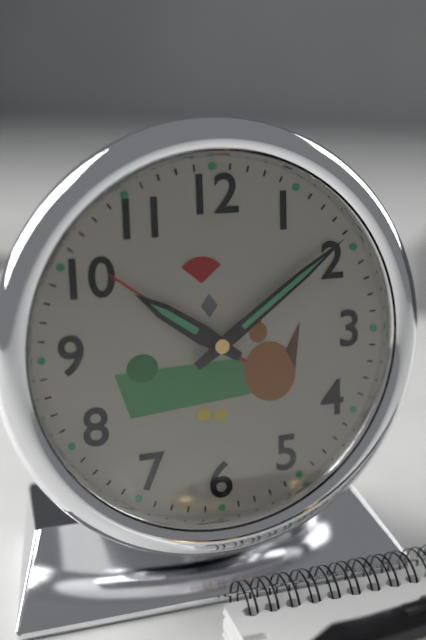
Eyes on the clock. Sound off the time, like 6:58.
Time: 10:09
